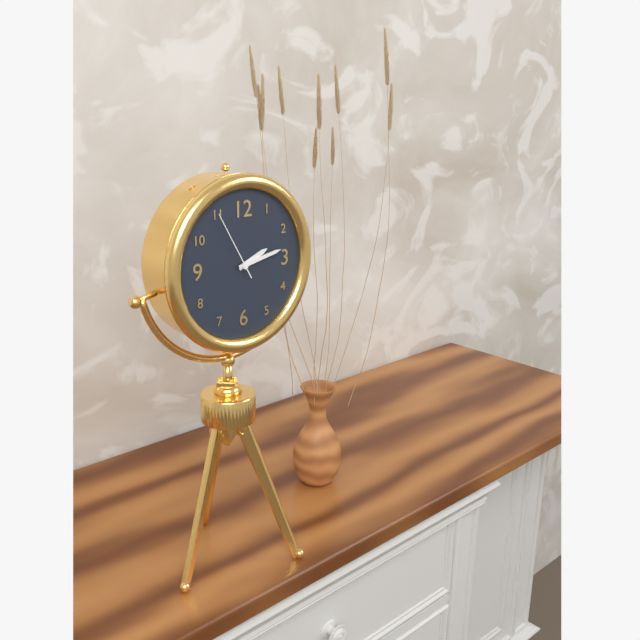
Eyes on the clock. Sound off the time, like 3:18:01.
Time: 2:13:55
